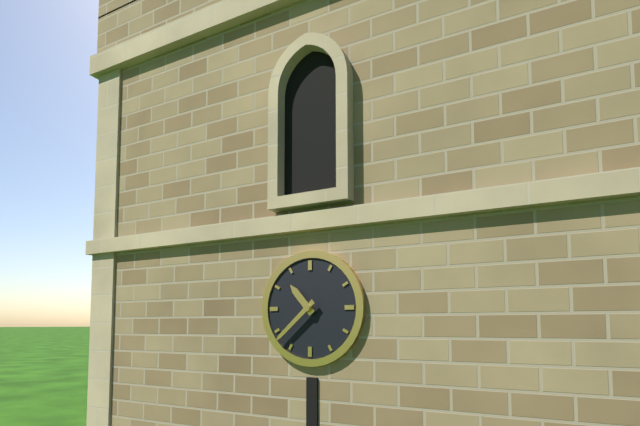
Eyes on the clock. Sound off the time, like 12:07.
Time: 10:38
